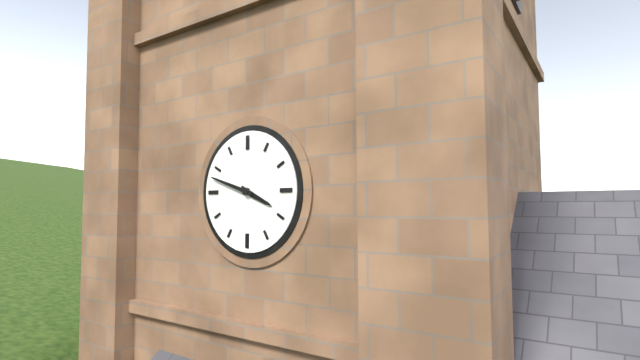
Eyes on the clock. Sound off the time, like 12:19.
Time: 3:48
